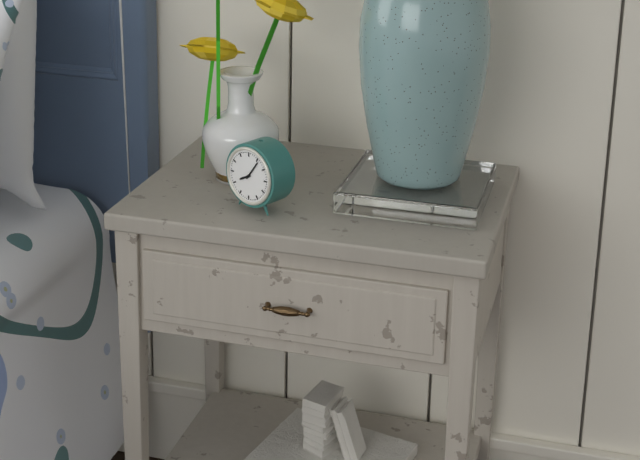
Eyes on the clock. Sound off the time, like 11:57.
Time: 8:06
